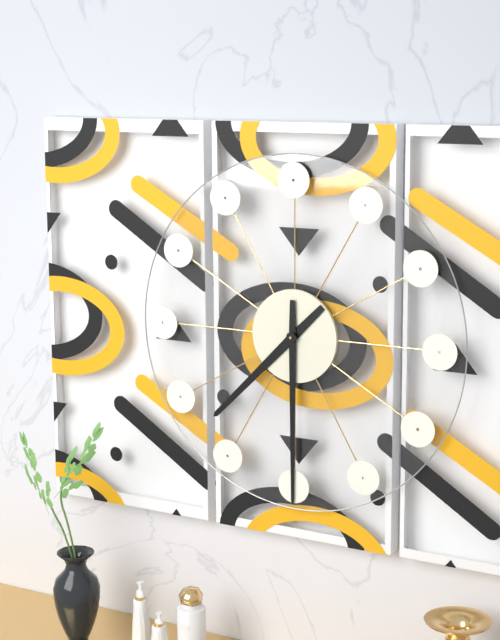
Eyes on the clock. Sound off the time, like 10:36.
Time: 7:30
